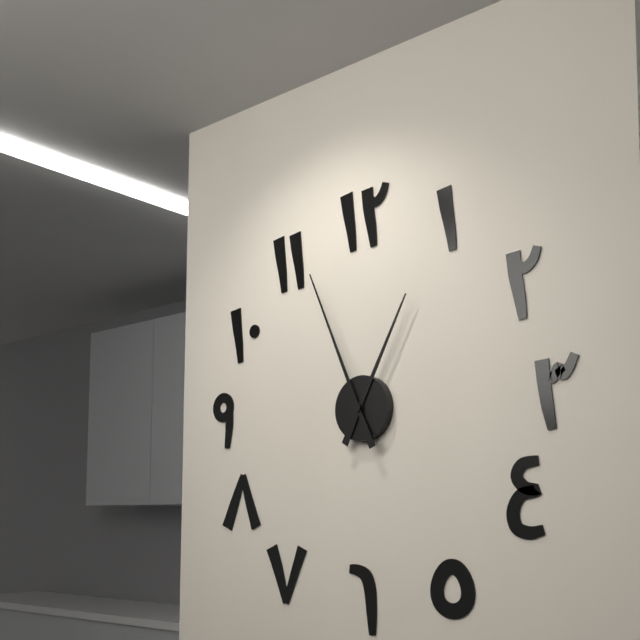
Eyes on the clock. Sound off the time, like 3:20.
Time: 12:56
